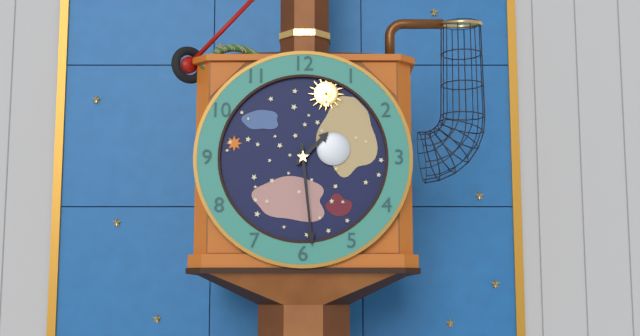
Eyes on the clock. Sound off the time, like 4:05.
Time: 1:29
